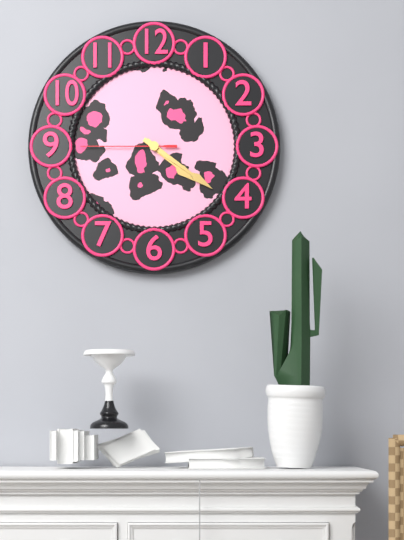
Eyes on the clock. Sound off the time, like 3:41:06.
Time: 4:21:45
